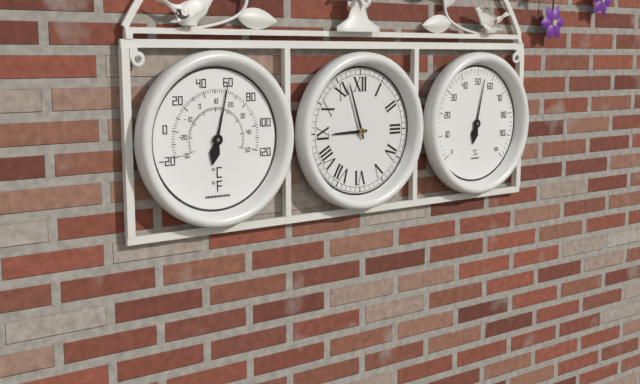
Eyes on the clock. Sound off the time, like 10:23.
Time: 8:57
